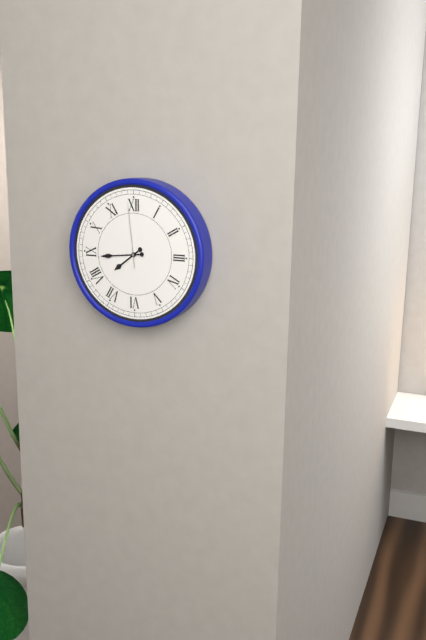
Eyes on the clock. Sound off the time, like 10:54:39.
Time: 7:44:59
